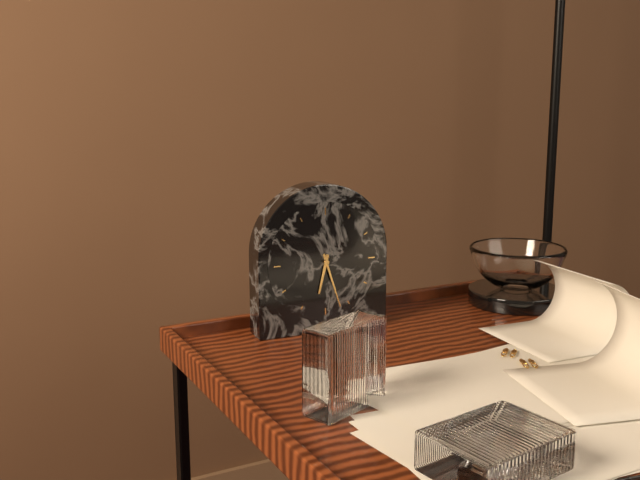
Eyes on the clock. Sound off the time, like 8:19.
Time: 6:27
